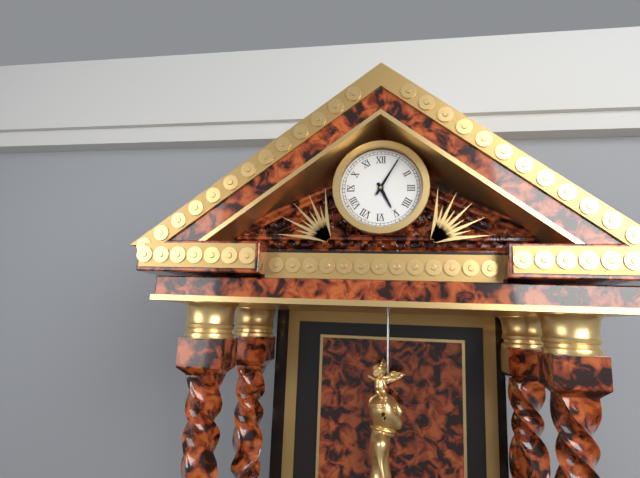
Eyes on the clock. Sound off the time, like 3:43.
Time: 5:05
